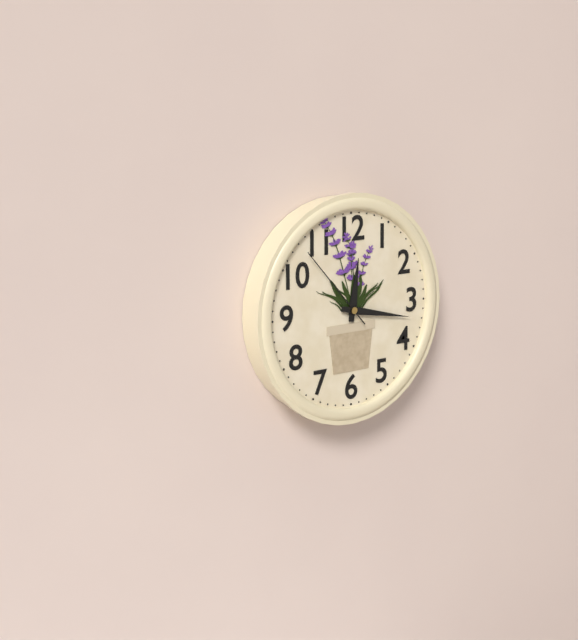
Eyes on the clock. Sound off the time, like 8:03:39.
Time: 12:17:53
